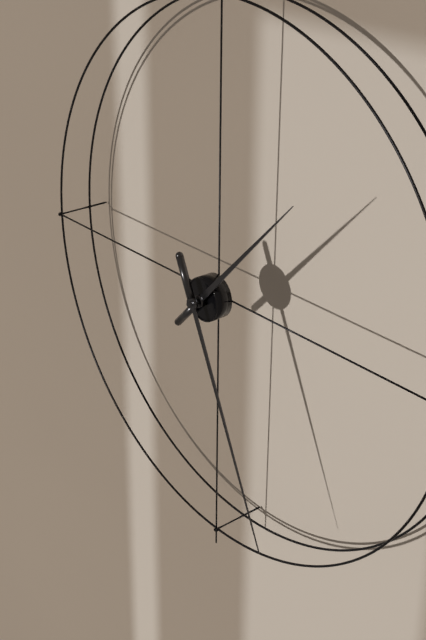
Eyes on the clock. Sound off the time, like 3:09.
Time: 1:26
